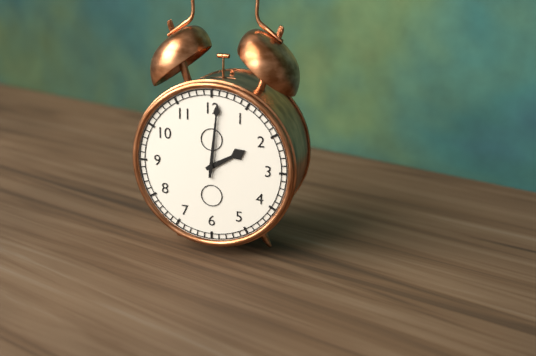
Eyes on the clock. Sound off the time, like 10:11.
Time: 2:01
